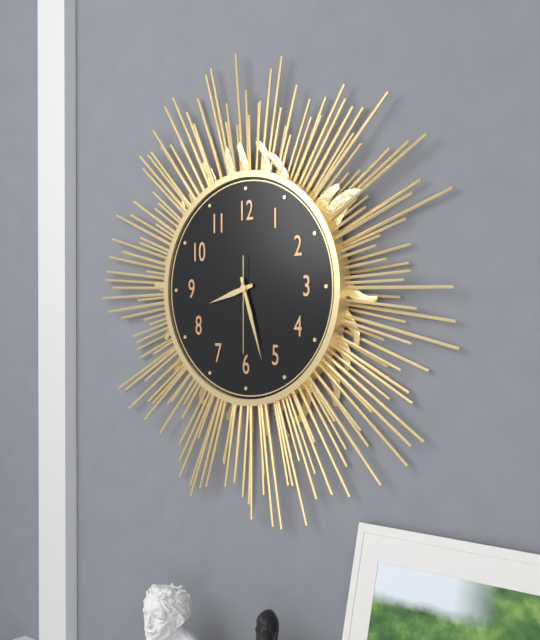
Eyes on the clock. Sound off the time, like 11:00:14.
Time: 8:27:30
